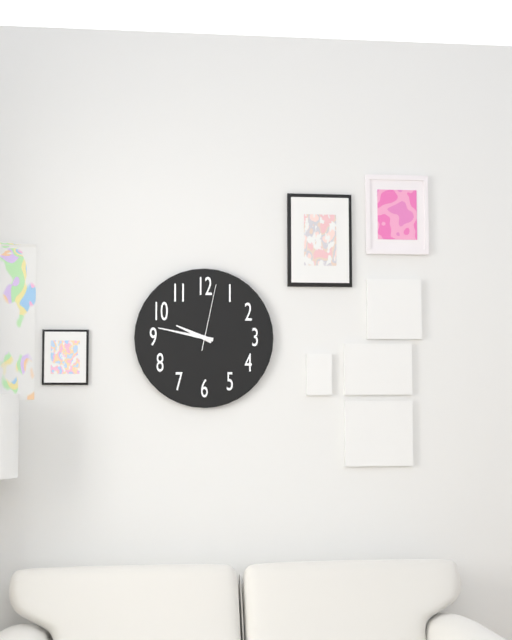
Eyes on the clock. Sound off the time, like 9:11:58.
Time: 9:47:02
